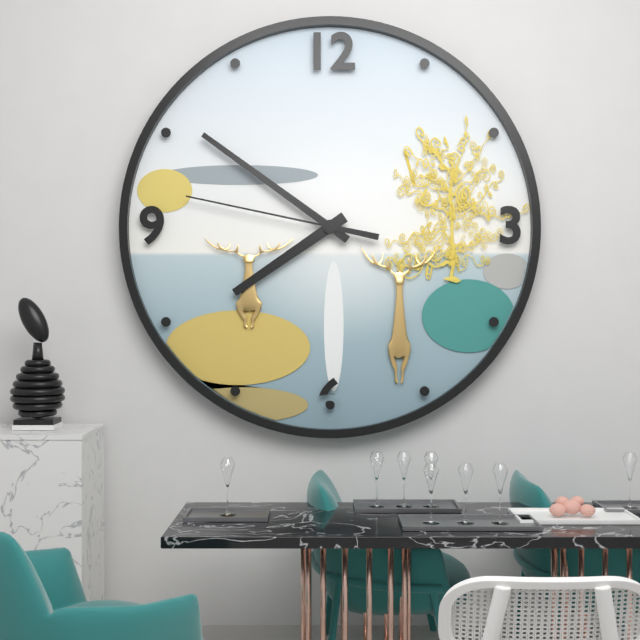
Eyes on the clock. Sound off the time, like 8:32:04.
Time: 7:51:47
